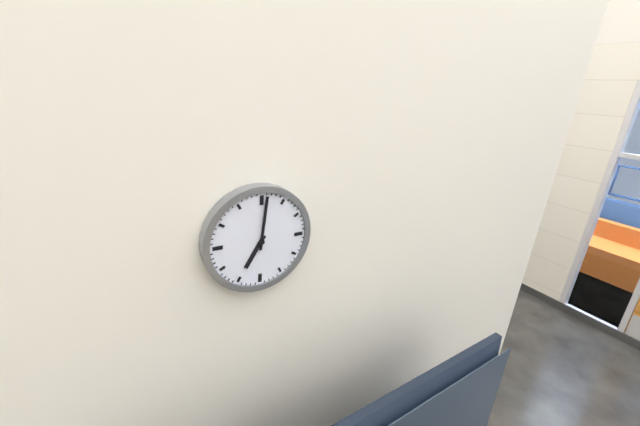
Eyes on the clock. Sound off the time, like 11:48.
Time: 7:01
